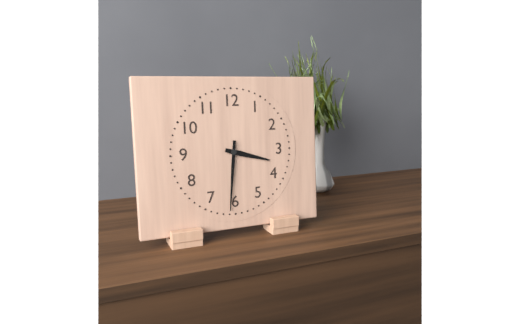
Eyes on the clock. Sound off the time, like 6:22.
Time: 3:31
